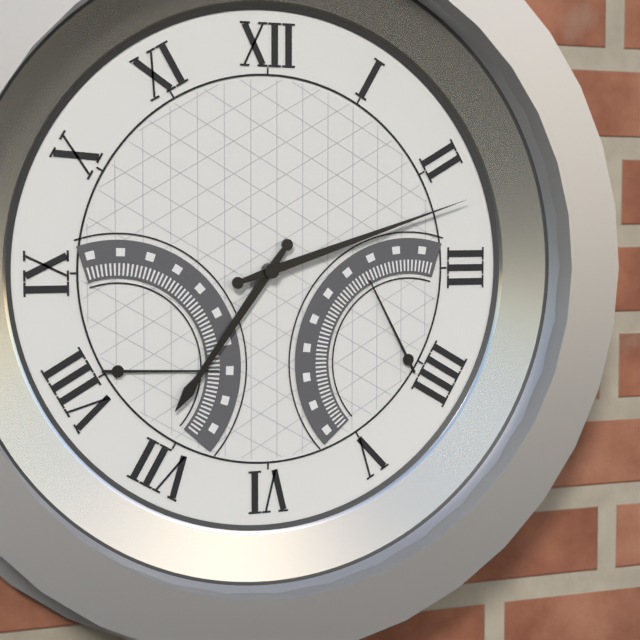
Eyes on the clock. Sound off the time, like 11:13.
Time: 7:12
